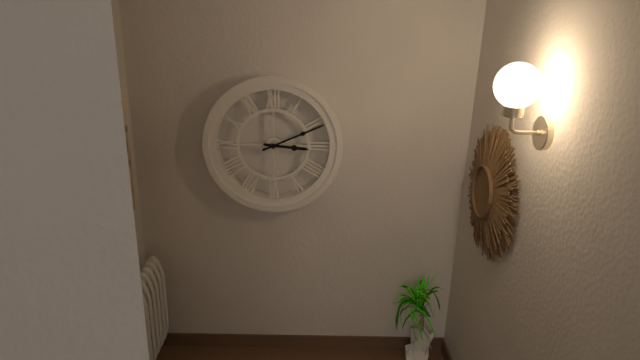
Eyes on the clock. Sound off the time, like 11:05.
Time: 3:11
